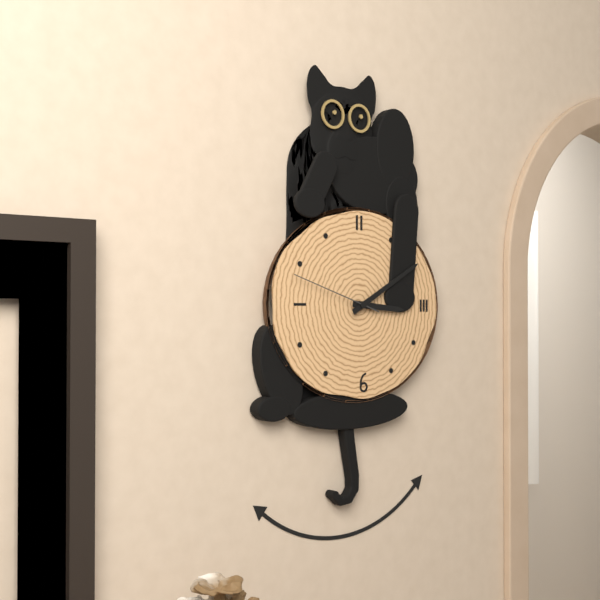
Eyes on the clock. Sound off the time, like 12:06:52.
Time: 3:10:48
